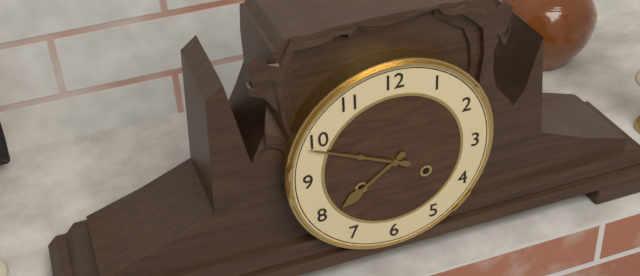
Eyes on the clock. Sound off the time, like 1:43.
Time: 7:49
